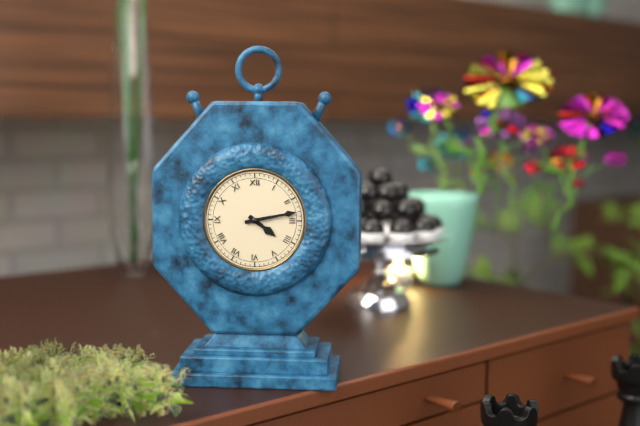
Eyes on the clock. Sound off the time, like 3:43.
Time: 4:13
